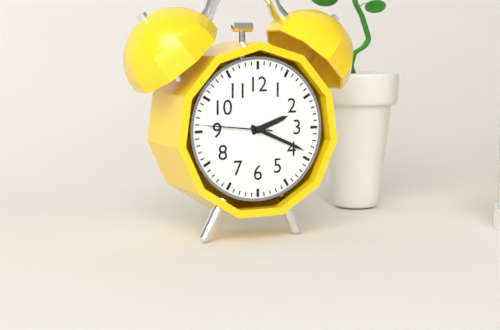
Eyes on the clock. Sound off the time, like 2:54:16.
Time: 2:19:46
